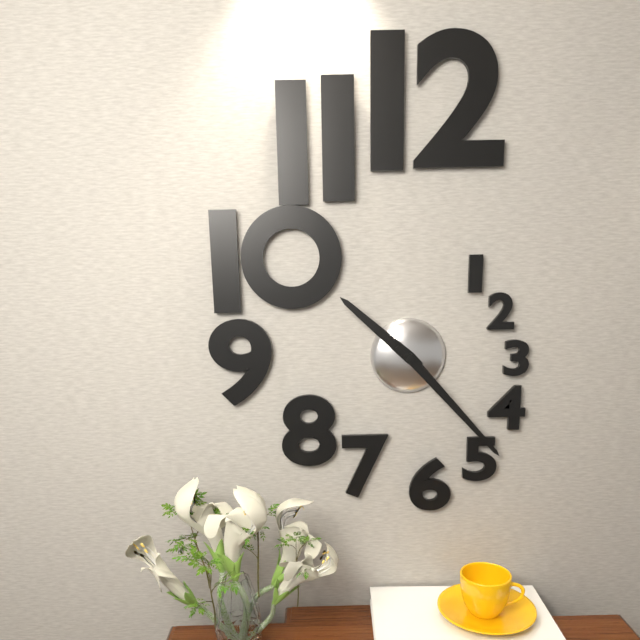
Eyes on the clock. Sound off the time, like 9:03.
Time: 10:23
